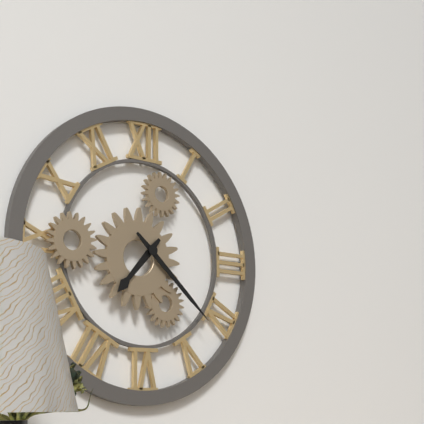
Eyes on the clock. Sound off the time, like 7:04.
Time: 7:22
